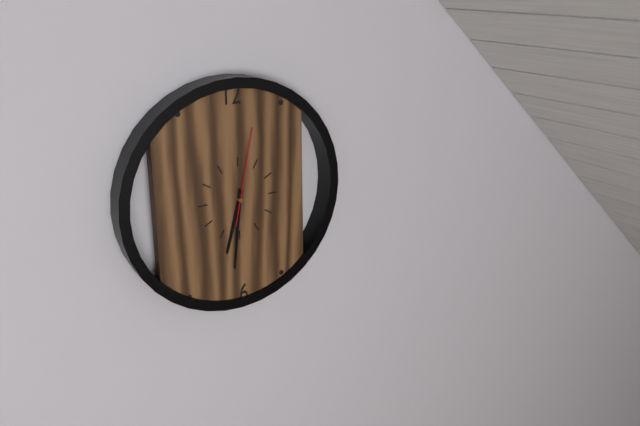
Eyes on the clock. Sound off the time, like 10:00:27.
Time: 6:31:02
